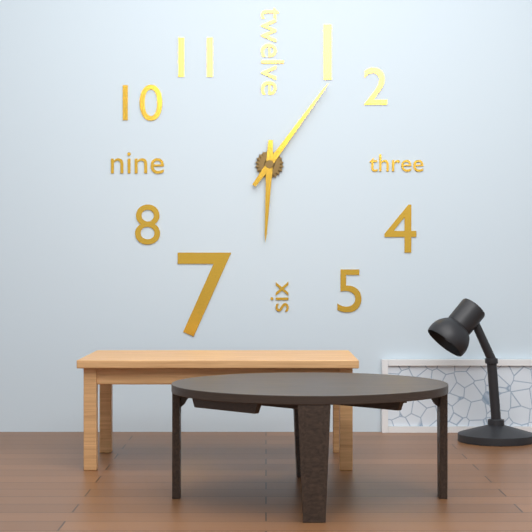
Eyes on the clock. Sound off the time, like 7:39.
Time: 6:06
